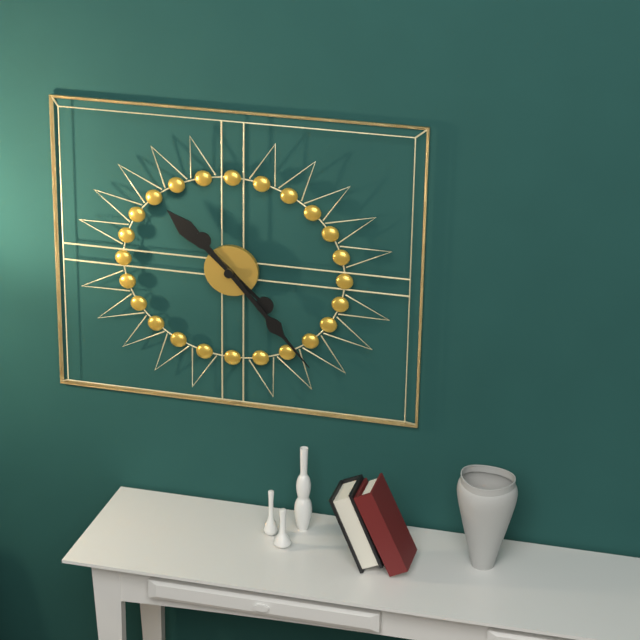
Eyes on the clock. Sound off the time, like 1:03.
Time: 10:23
